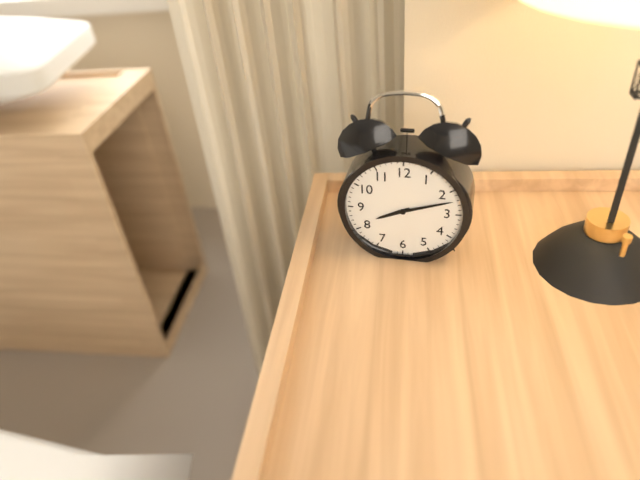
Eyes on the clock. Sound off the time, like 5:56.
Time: 8:12
